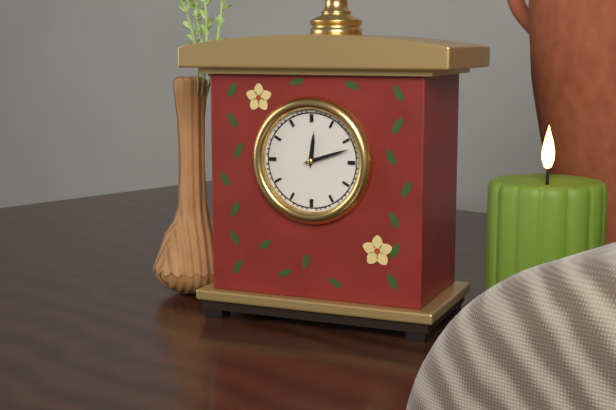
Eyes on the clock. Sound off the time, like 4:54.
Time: 12:12
